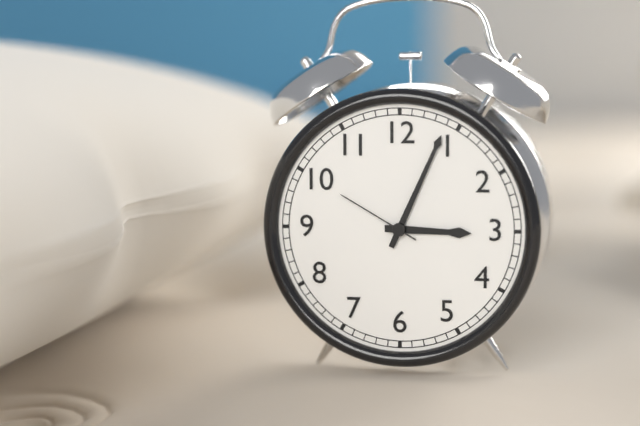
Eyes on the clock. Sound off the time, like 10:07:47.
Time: 3:04:50
